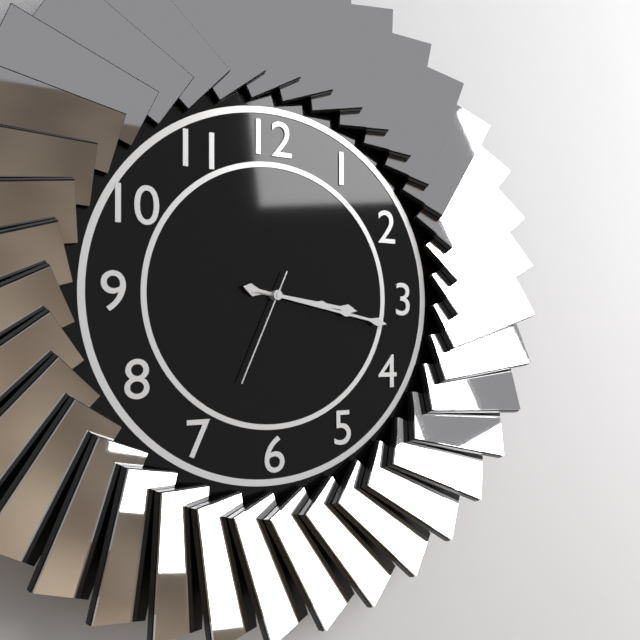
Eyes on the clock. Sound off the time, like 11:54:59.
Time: 3:17:34
